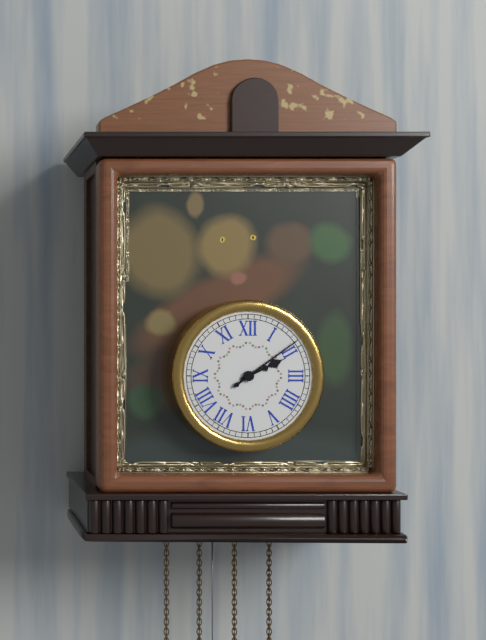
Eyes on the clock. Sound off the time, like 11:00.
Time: 2:09
